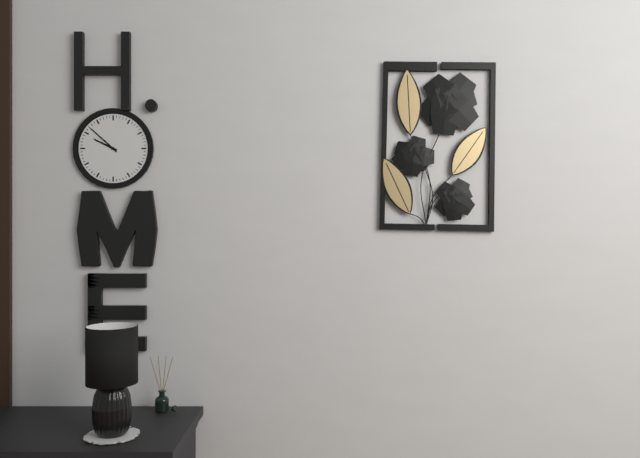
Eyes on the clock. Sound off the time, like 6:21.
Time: 9:52
